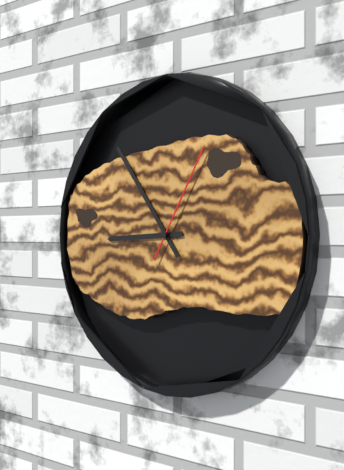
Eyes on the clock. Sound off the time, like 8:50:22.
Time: 8:54:05
